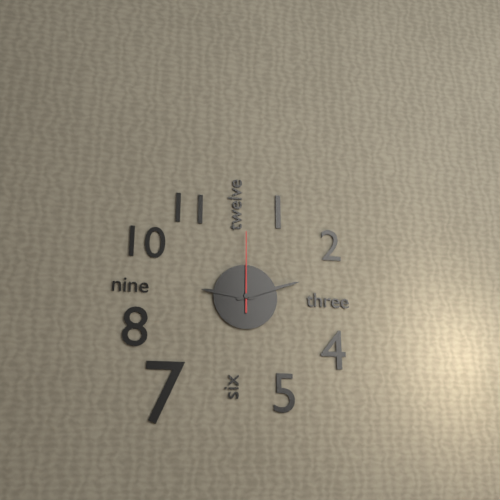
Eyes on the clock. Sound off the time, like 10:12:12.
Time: 9:12:00
